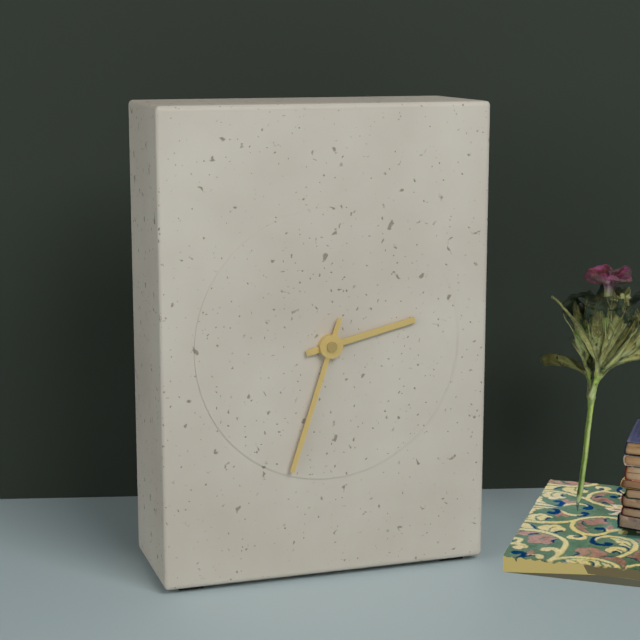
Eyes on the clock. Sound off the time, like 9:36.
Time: 2:33
